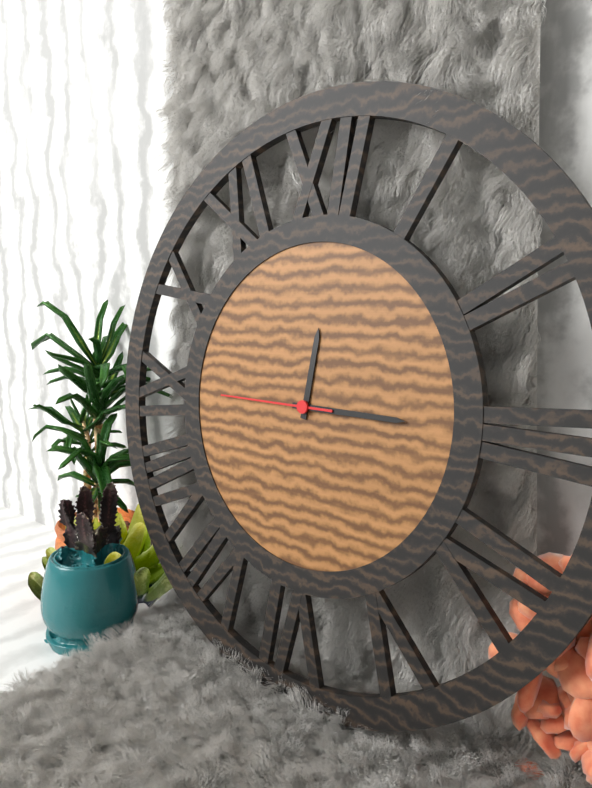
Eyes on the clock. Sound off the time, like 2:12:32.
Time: 12:15:45
